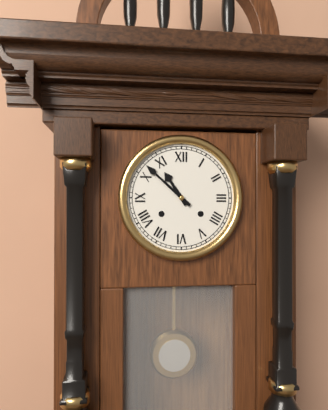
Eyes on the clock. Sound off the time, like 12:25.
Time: 10:52
